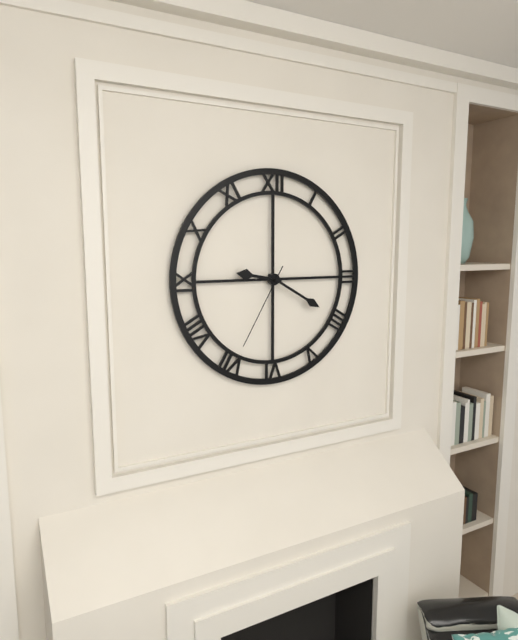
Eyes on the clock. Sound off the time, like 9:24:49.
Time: 9:20:35
